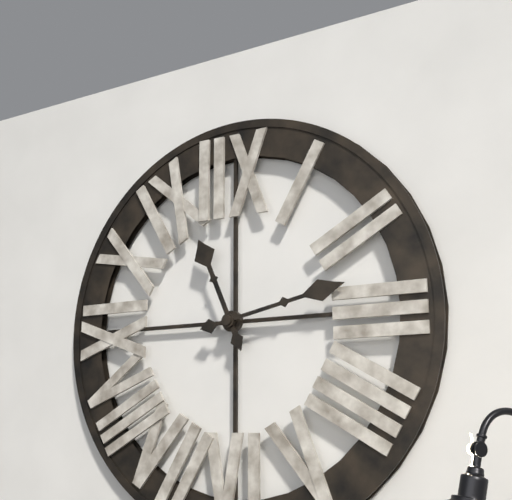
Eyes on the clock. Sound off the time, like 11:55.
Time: 11:13
